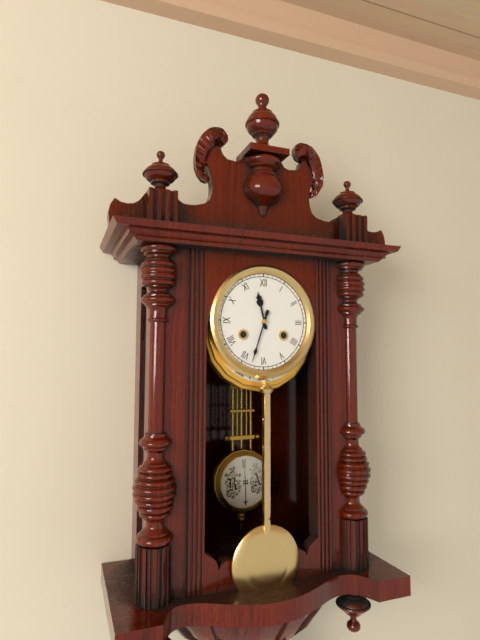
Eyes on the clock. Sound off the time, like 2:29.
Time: 11:33
